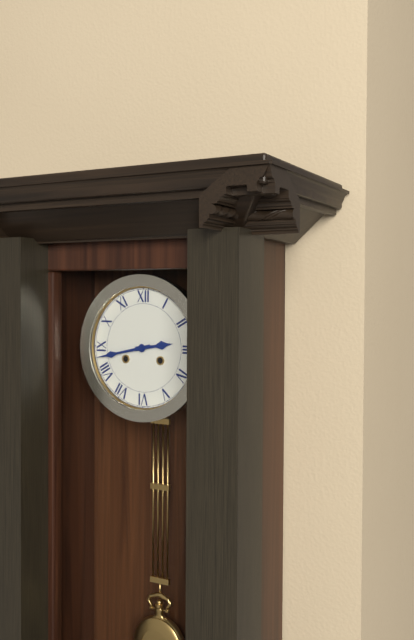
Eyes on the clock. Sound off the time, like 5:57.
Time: 2:43
